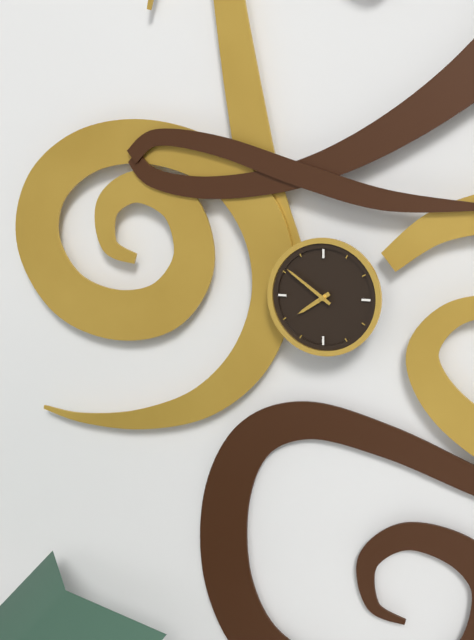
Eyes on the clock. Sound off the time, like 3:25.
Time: 7:51
